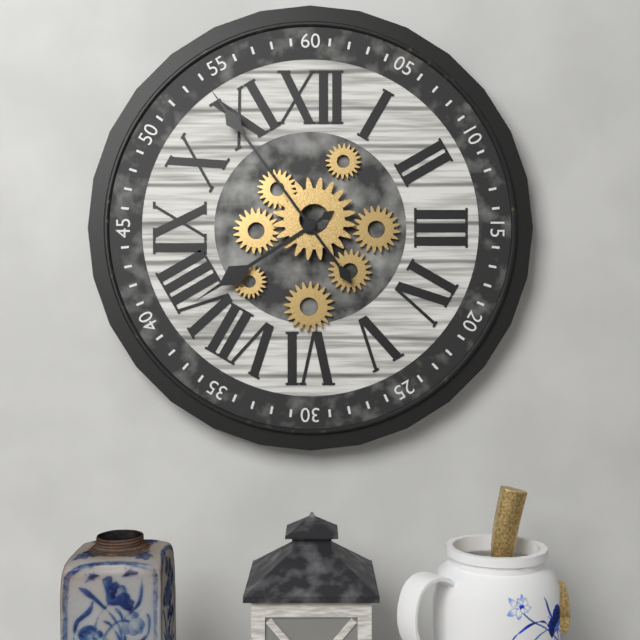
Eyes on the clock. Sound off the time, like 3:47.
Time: 7:54
